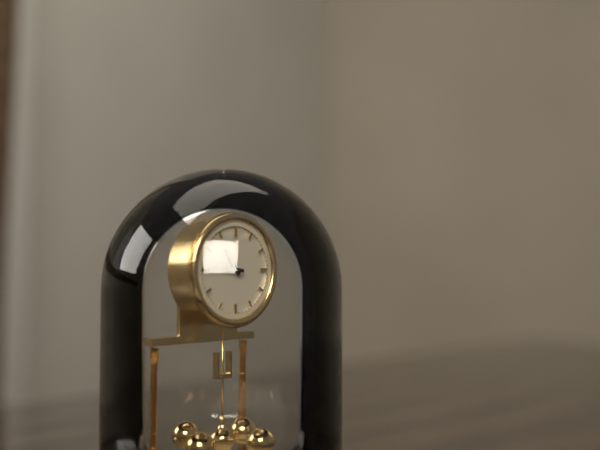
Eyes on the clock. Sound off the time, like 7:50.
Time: 10:46
